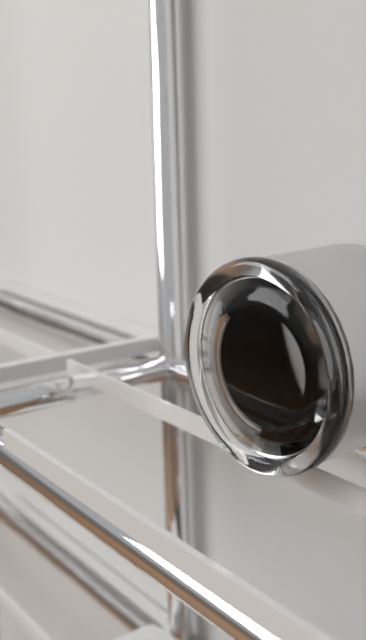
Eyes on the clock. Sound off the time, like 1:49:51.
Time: 6:28:25
